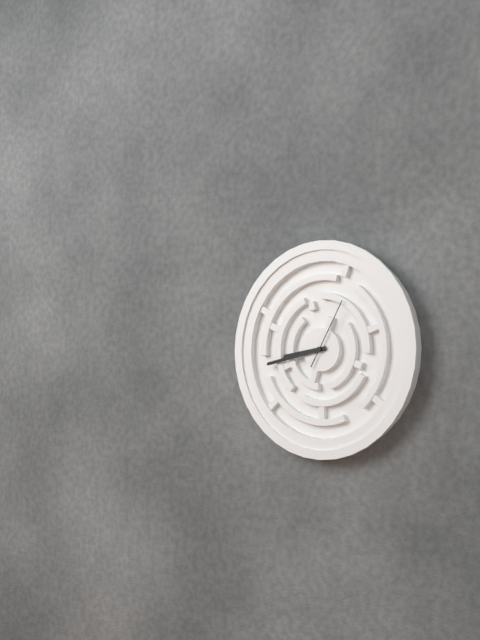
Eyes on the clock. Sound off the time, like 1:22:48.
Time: 8:43:05
